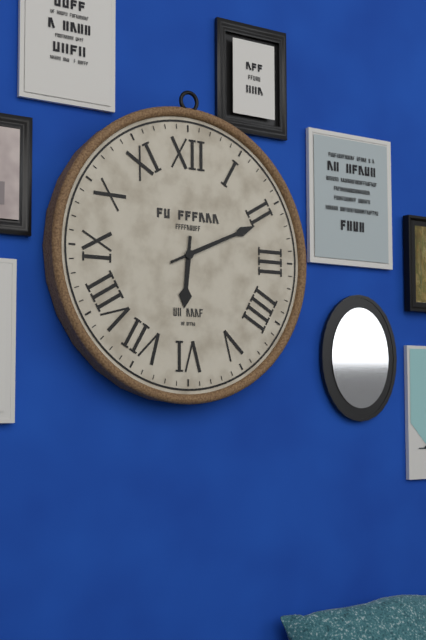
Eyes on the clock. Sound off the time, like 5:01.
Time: 6:11
